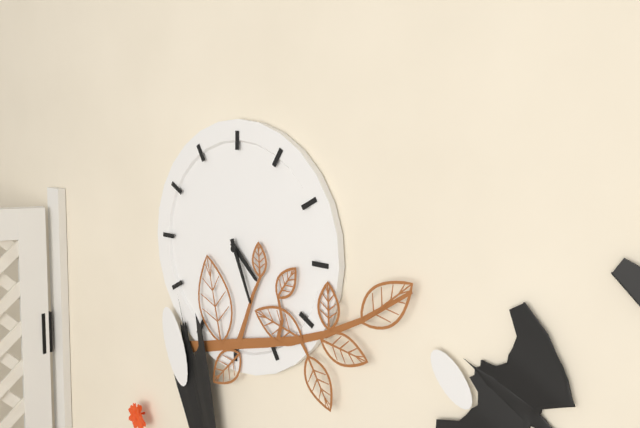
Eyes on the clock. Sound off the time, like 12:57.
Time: 4:26
